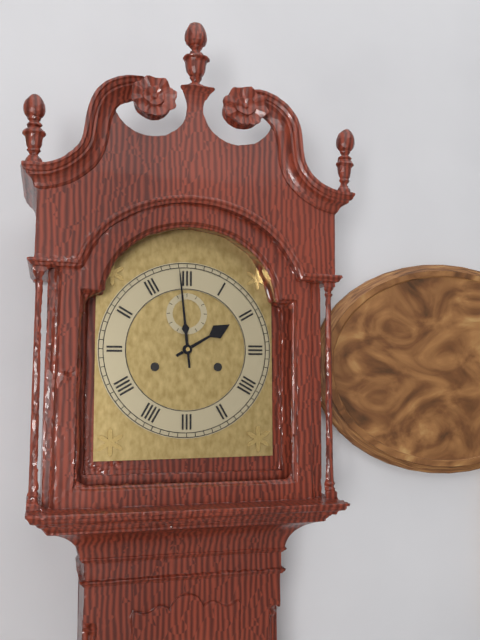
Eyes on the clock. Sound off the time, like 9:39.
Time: 1:59
